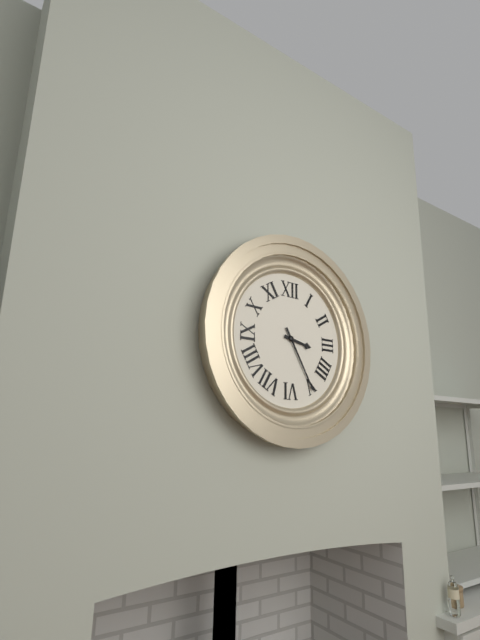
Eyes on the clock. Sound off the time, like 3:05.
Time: 3:25
